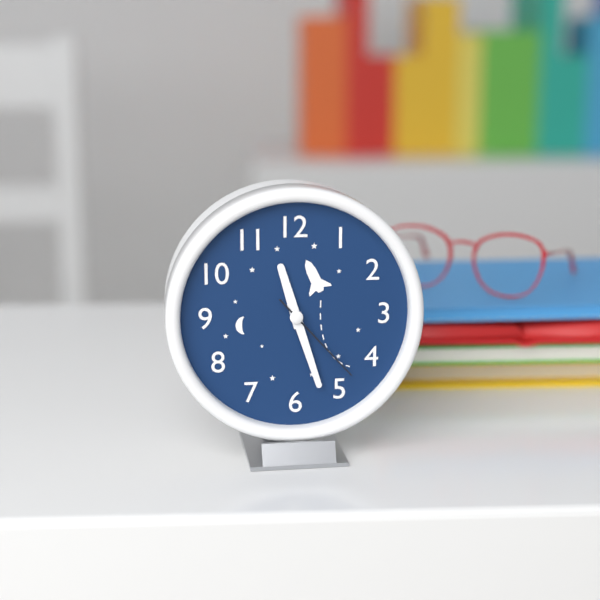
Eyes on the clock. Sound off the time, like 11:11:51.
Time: 11:27:23
